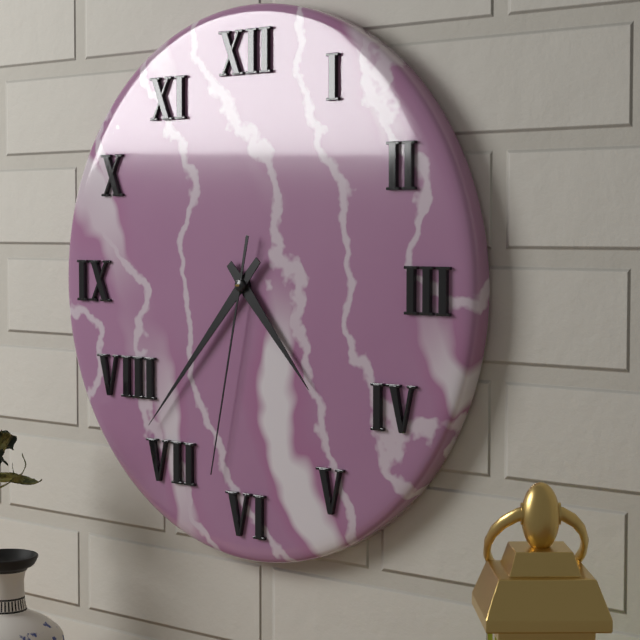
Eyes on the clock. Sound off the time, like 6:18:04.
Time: 4:37:32
